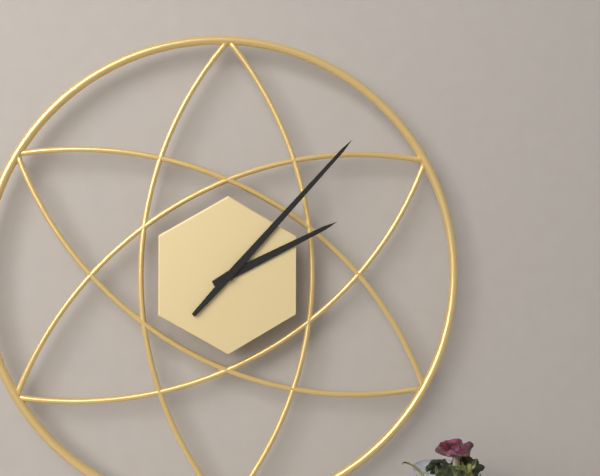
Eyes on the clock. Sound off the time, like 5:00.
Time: 2:07
